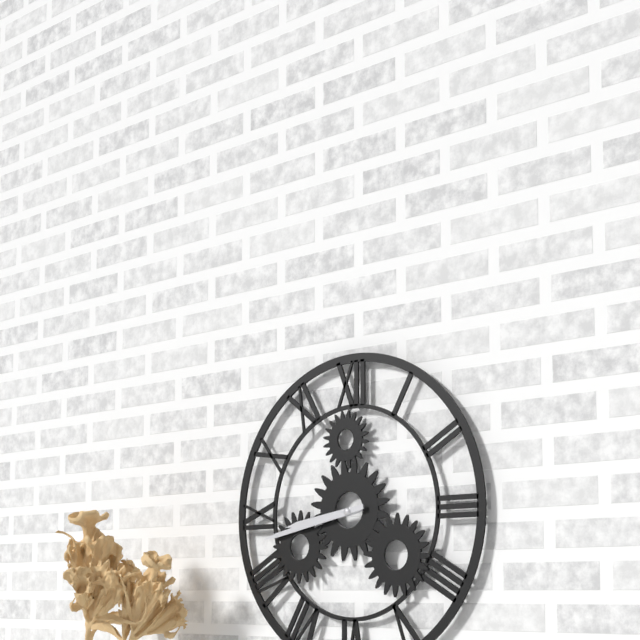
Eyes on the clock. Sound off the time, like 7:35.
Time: 8:43
